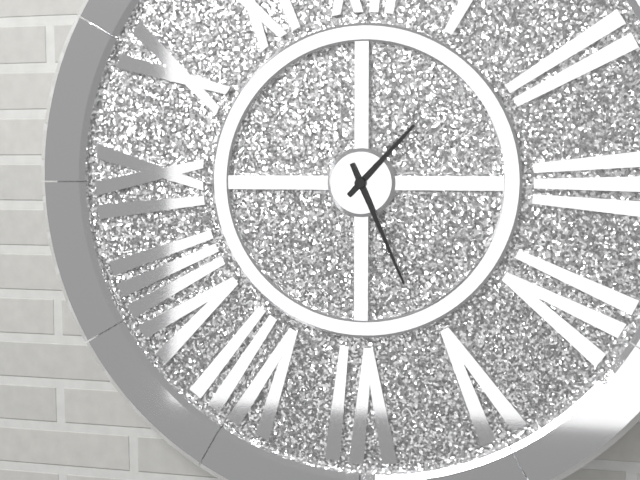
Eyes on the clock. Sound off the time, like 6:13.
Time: 1:26
